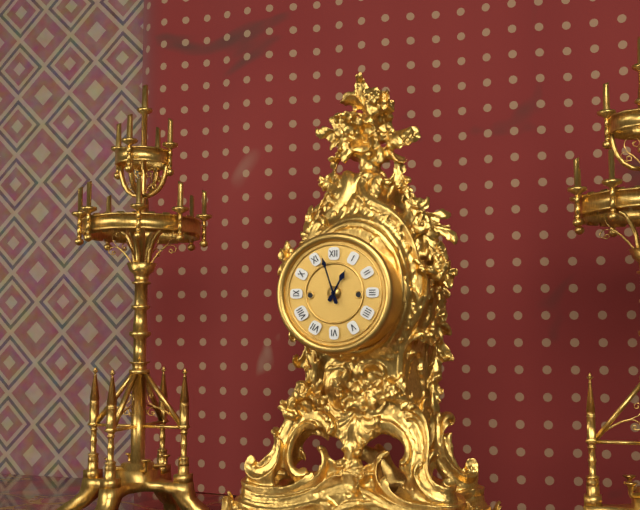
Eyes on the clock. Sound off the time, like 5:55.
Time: 12:57
